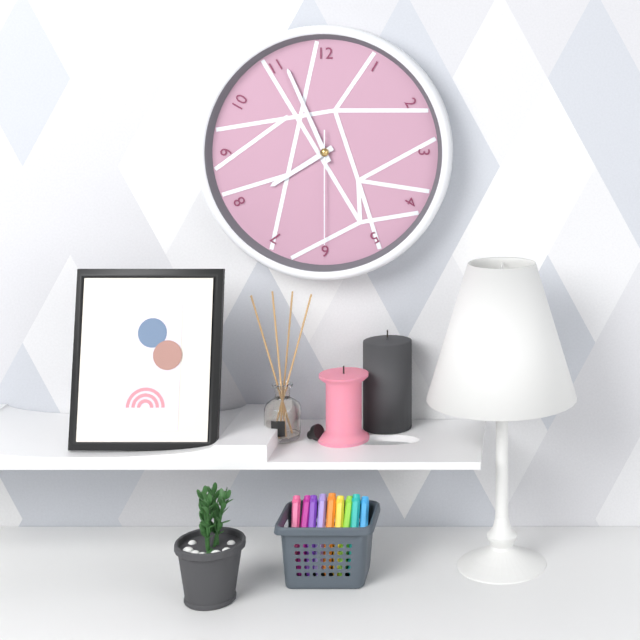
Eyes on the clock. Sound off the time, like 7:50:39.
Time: 7:56:30
